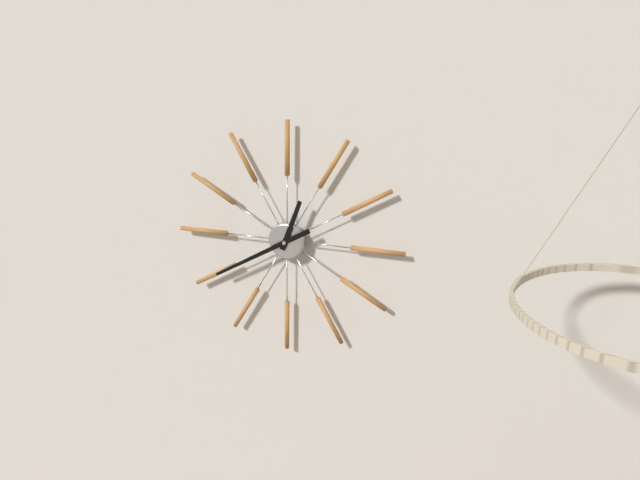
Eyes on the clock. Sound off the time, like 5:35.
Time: 12:40
